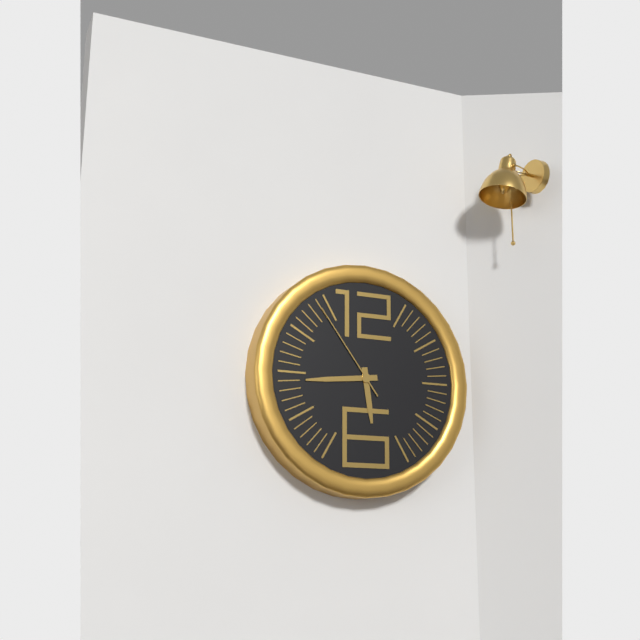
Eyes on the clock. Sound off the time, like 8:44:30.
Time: 5:44:54
